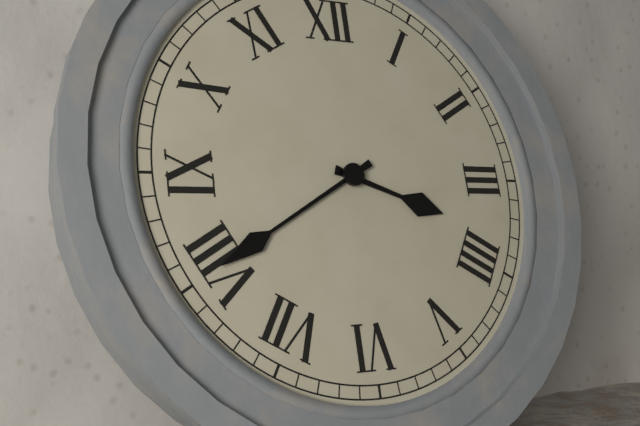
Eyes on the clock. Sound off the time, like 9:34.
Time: 3:40
